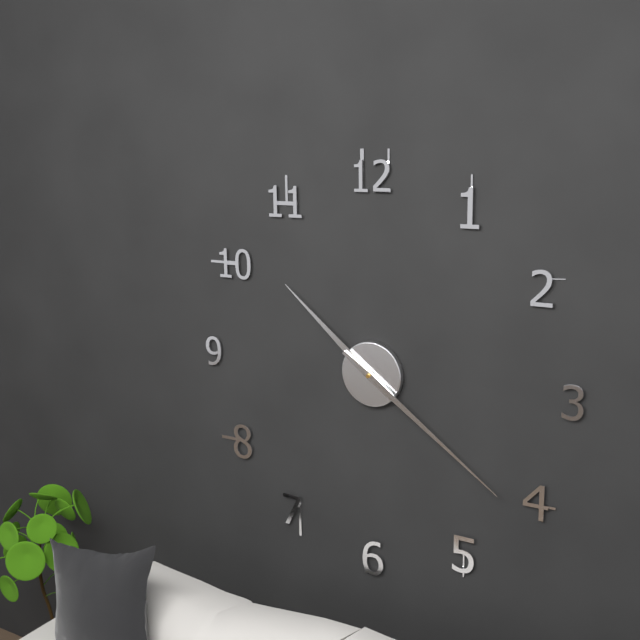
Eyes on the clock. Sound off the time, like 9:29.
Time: 10:21
